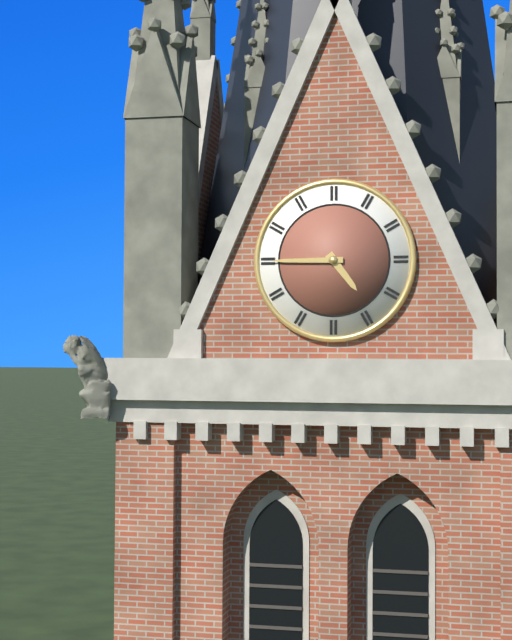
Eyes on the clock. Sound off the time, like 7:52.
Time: 4:45
